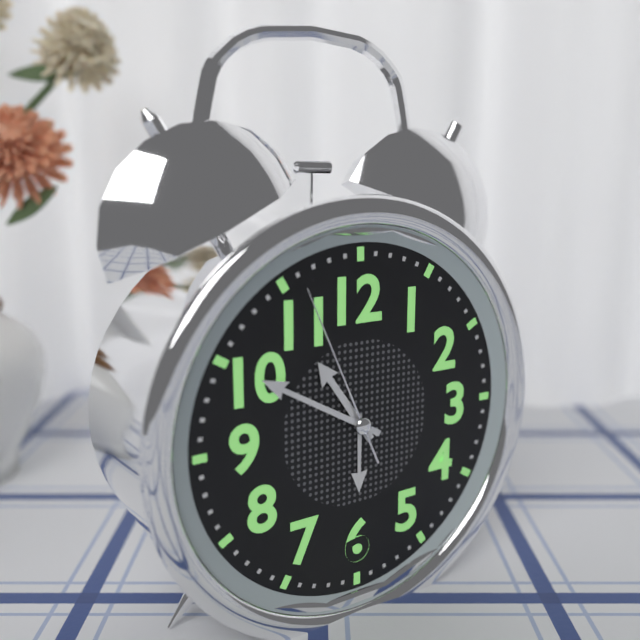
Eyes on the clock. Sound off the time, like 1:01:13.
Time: 10:50:56
